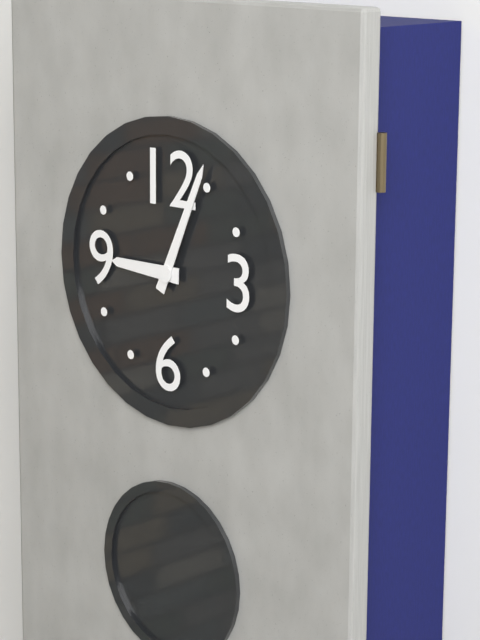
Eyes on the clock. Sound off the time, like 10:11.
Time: 9:04
